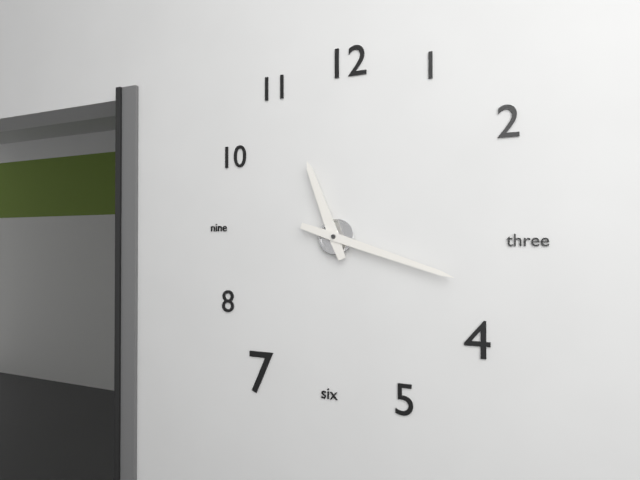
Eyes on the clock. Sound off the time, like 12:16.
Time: 11:18
